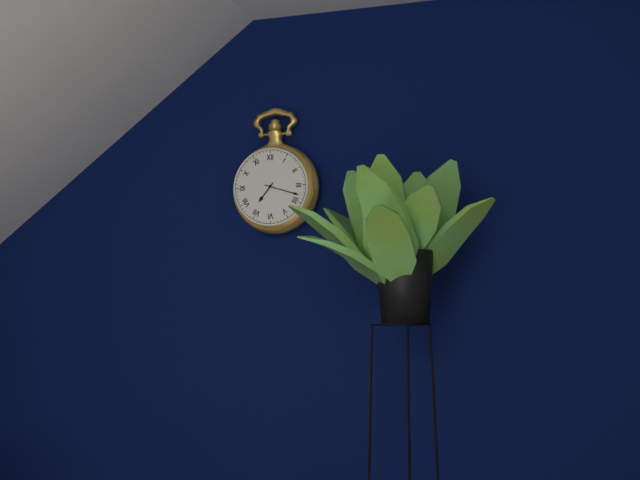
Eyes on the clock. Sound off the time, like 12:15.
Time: 7:18
